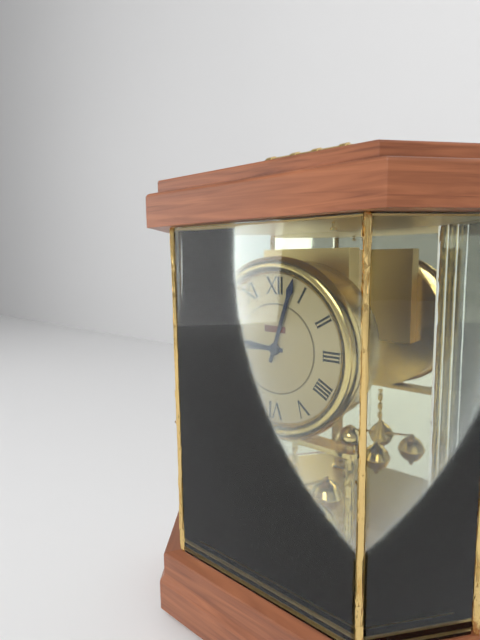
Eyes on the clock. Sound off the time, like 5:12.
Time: 9:03
